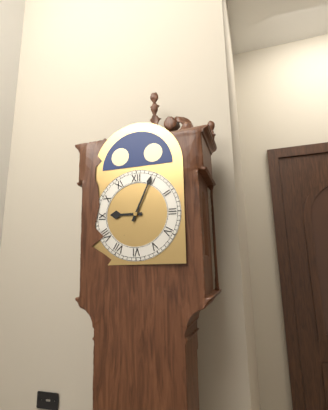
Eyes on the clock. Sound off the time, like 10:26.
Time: 9:04
